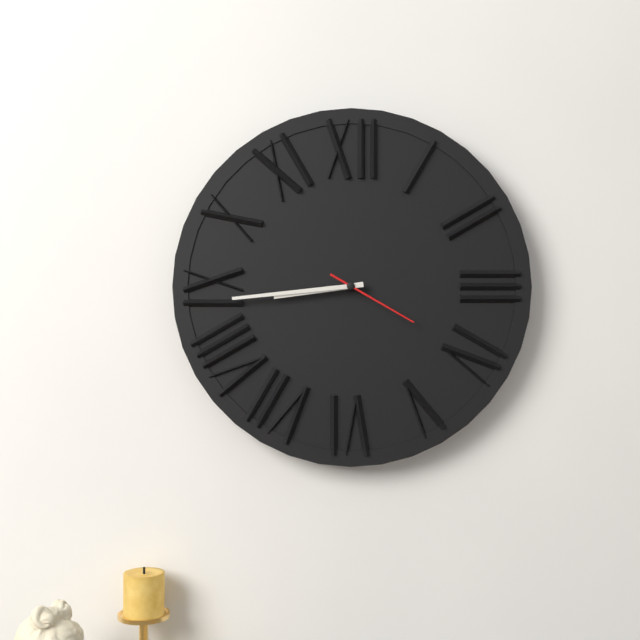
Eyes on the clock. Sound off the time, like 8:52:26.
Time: 8:44:20
